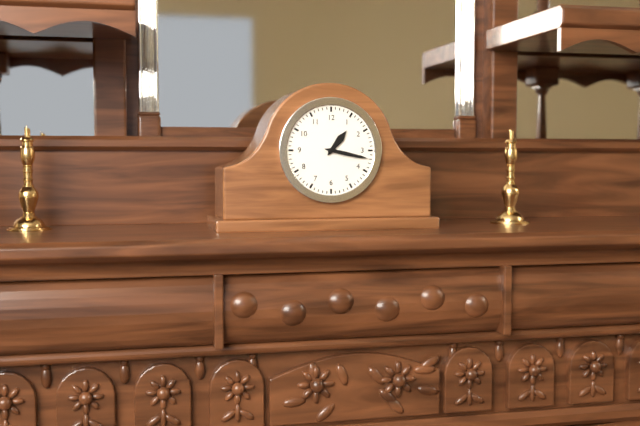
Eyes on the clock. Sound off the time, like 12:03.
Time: 1:17
